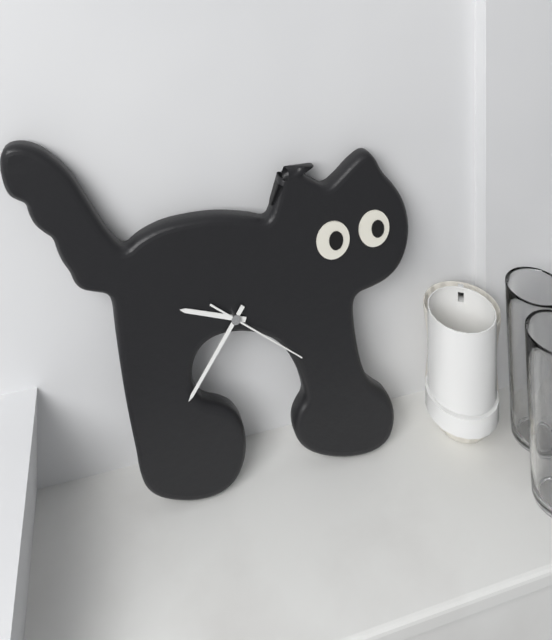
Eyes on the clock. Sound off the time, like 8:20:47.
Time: 9:36:21
